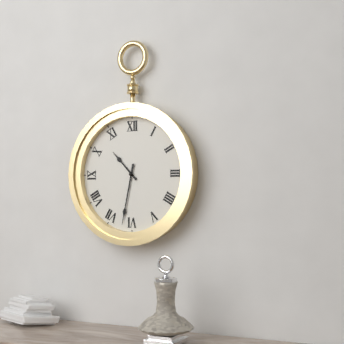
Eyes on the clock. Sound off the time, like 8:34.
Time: 10:32
